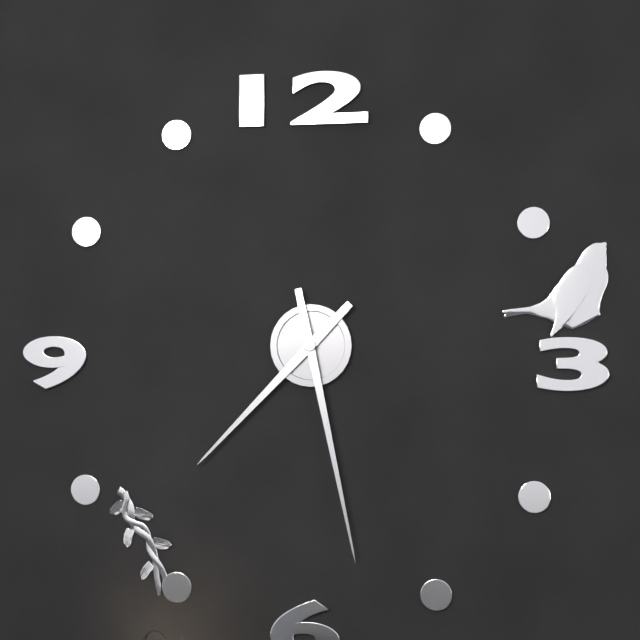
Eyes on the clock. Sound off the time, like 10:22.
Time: 7:28
